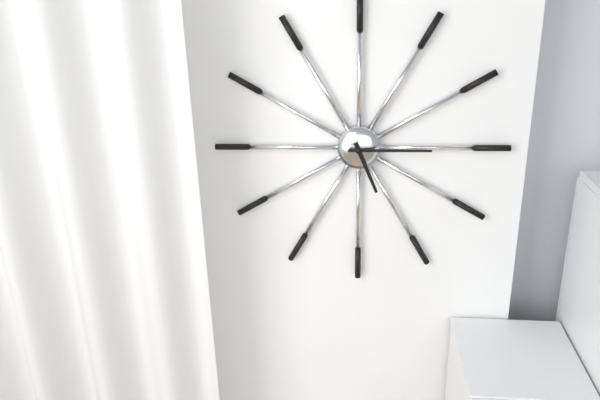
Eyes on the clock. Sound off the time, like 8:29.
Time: 5:15
